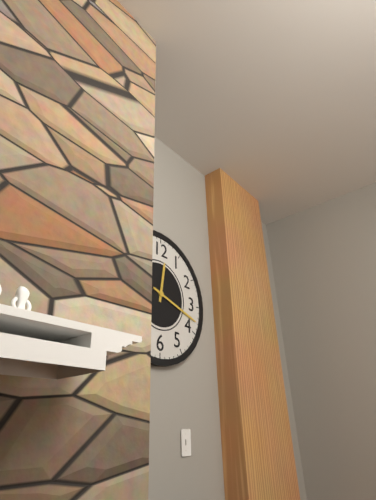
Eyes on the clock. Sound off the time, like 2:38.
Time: 12:18
